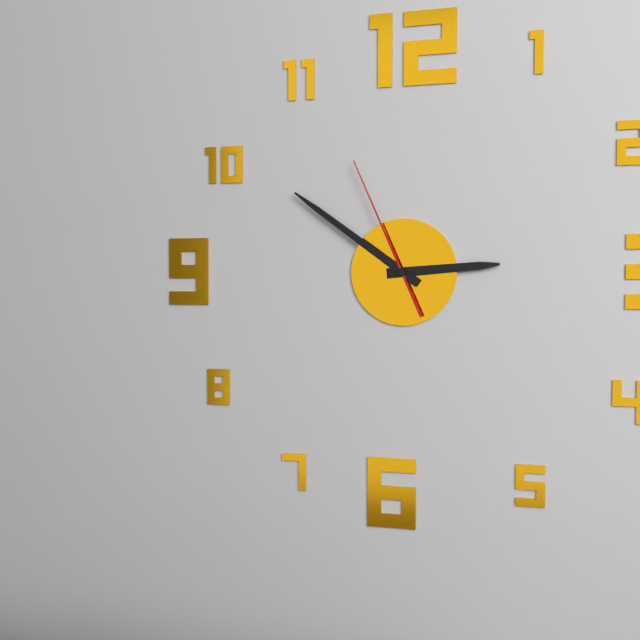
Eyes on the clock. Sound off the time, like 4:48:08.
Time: 2:51:56
